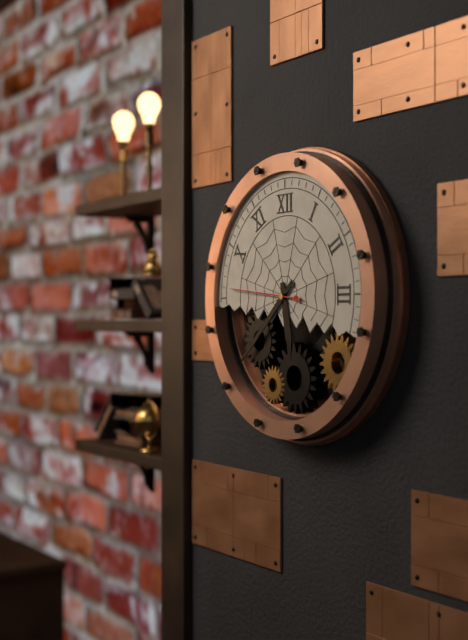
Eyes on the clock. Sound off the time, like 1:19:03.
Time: 5:38:46
